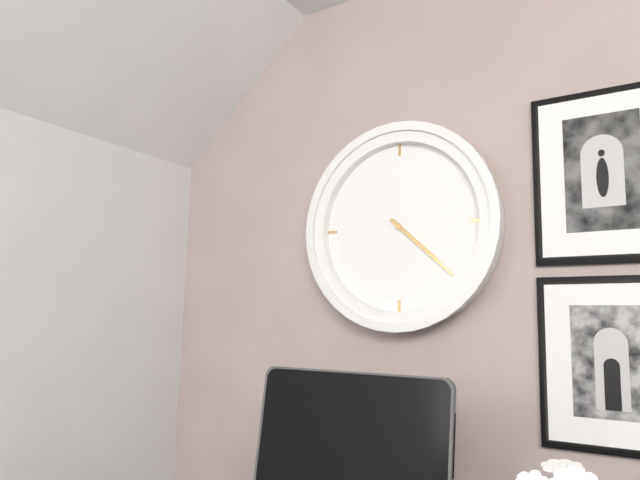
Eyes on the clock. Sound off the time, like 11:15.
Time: 4:22
